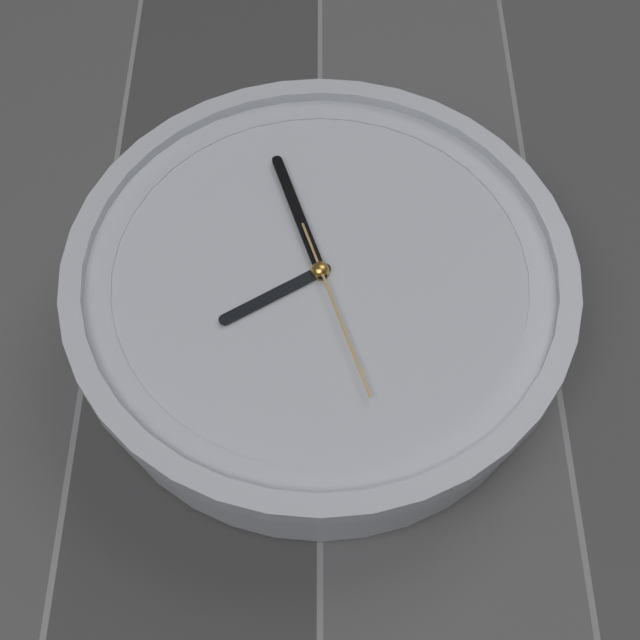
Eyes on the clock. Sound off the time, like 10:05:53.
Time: 7:57:27
